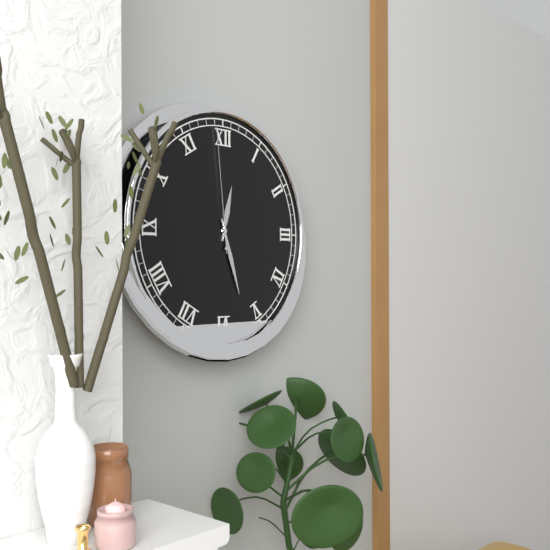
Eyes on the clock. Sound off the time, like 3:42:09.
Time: 12:27:59
